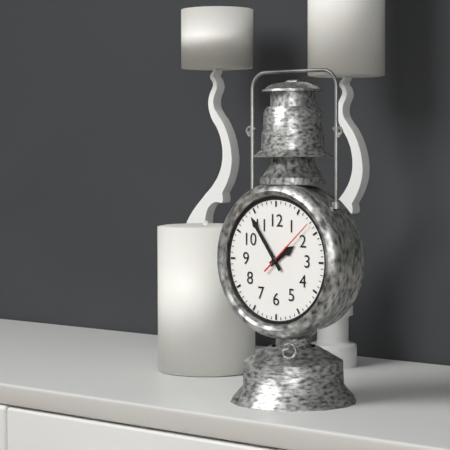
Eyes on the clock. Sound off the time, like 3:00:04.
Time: 1:54:08
